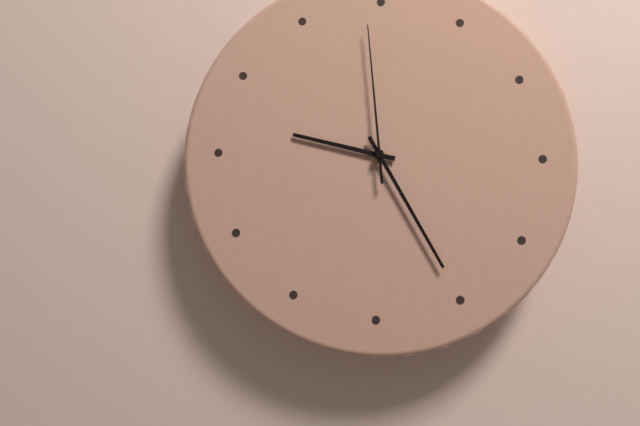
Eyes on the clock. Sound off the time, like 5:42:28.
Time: 9:25:59
